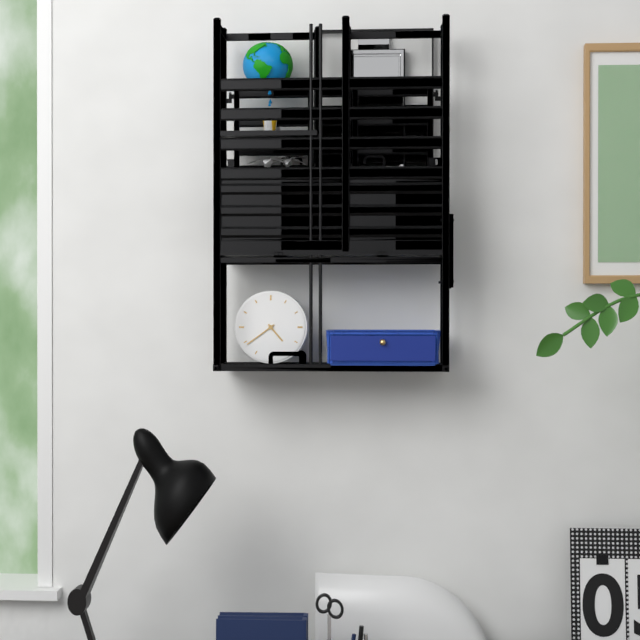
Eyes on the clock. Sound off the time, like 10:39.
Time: 4:39
